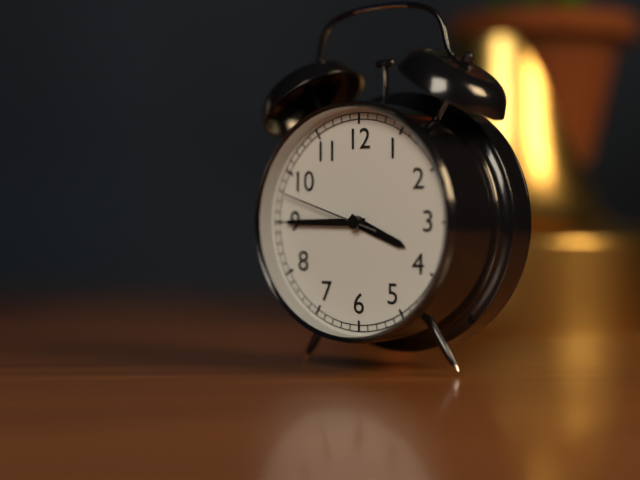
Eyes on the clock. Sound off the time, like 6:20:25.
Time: 3:45:48
